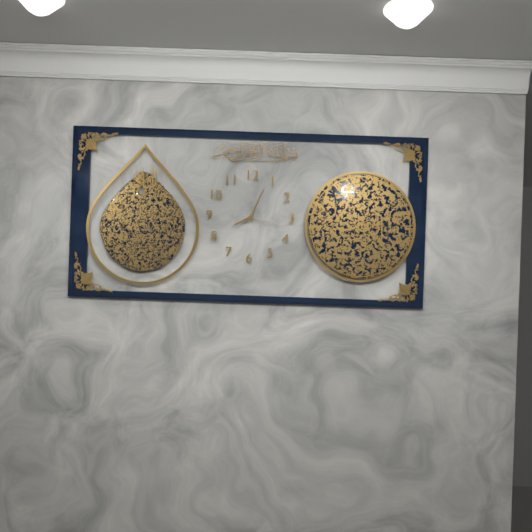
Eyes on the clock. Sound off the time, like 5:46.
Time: 8:04
